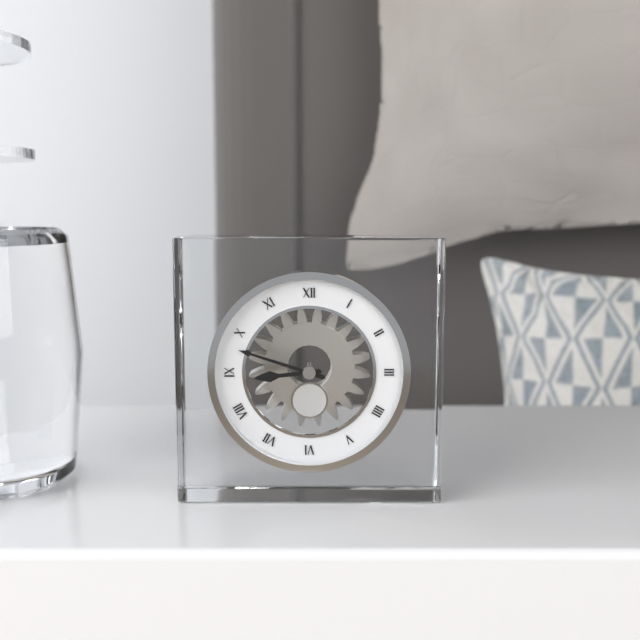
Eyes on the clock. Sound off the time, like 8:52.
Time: 8:48
